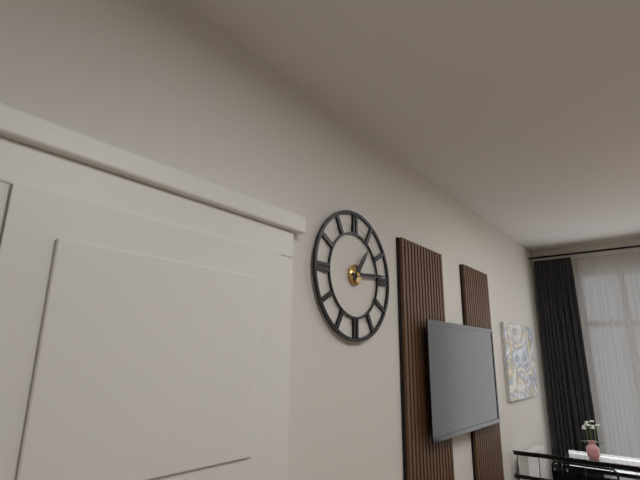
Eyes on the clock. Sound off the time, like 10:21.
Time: 1:14
